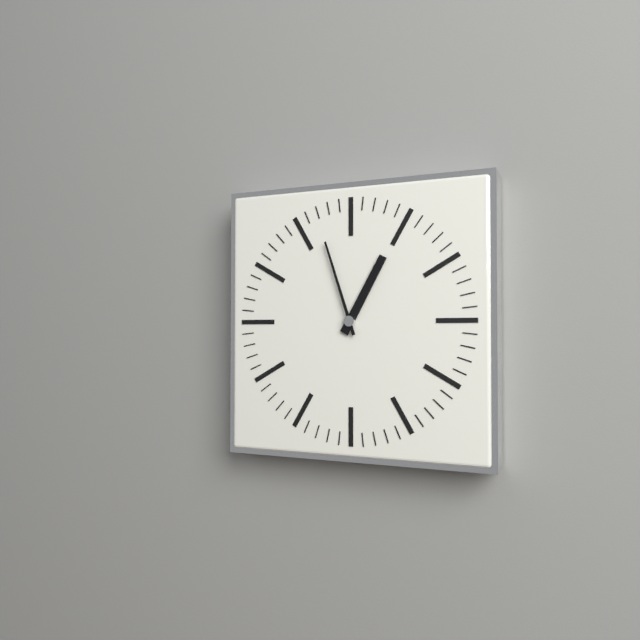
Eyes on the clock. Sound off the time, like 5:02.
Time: 12:57
